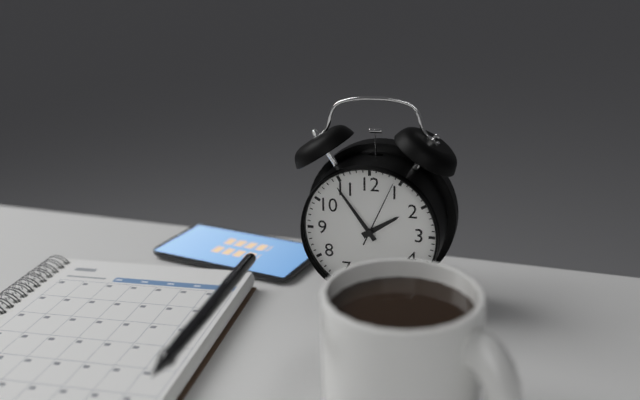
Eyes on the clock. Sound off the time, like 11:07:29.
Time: 1:54:04
